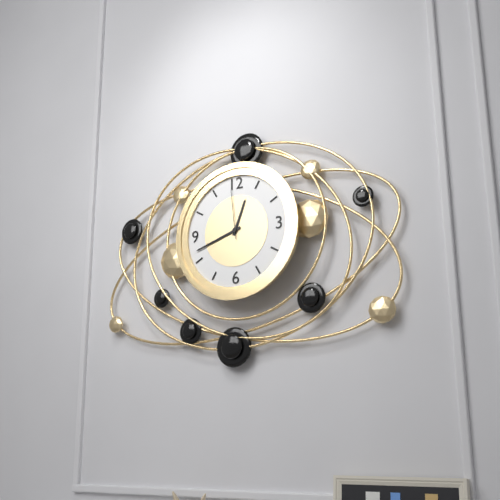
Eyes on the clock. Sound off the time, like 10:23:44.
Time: 12:42:59
